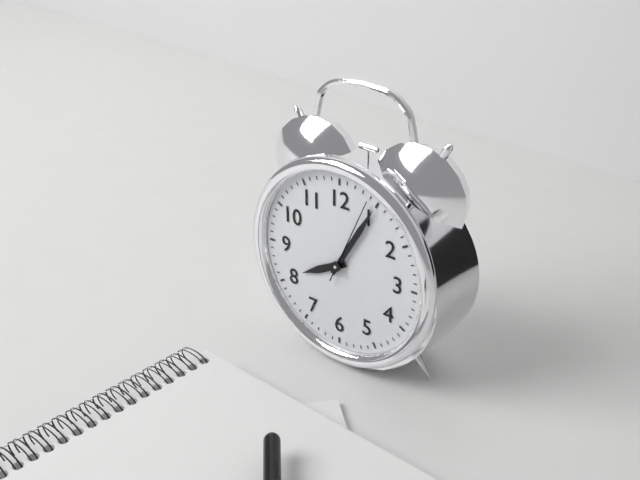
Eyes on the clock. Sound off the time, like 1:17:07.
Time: 8:05:04
